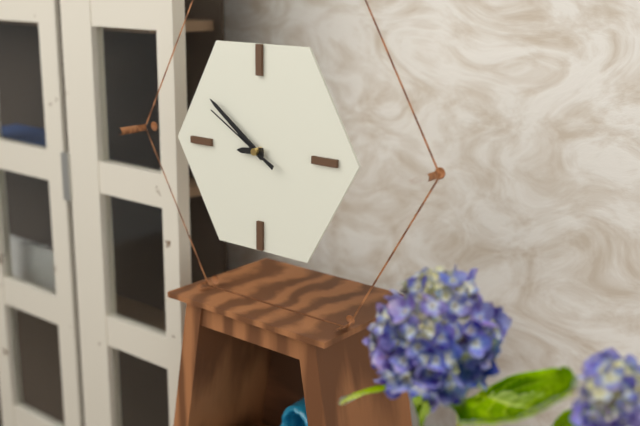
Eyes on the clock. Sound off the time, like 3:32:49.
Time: 8:51:50
